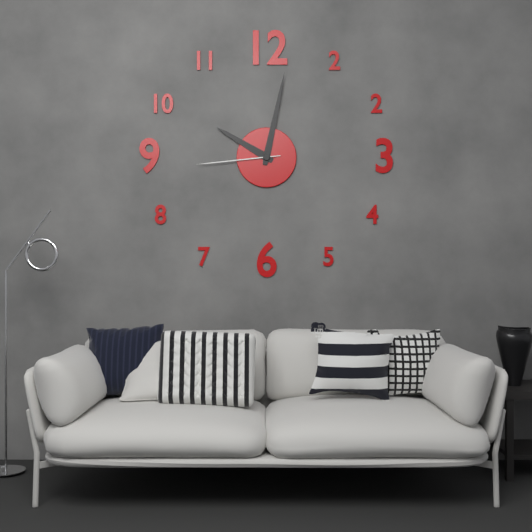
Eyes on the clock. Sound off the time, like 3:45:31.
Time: 10:02:44
